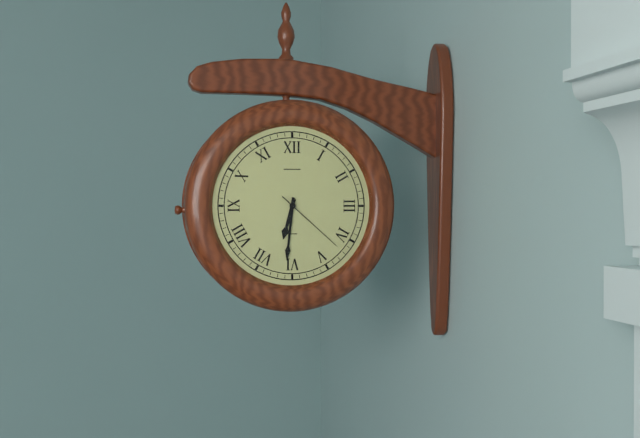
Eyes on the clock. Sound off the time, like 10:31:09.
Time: 6:31:22
